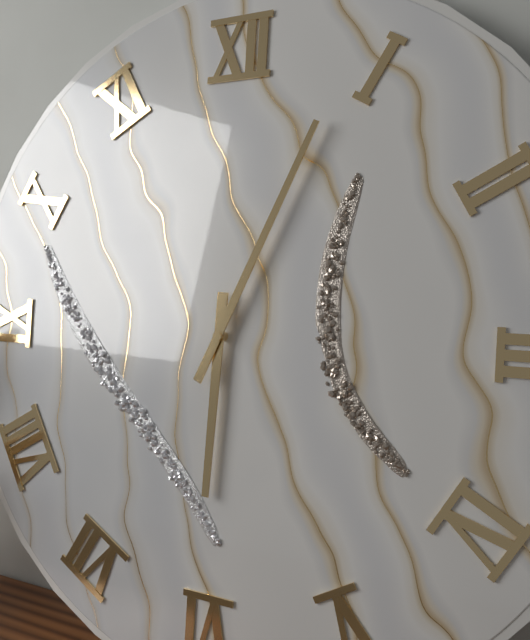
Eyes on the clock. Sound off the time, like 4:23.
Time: 6:04
